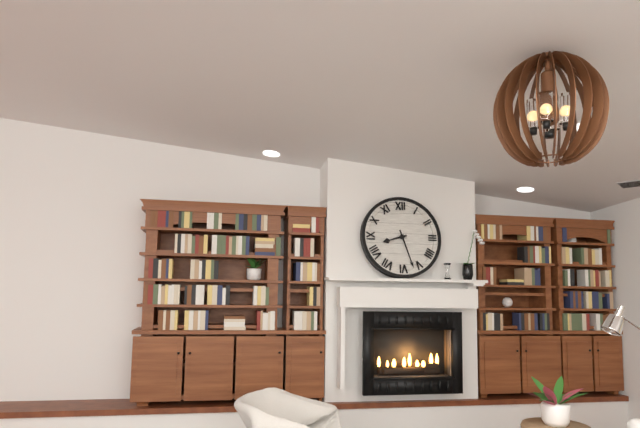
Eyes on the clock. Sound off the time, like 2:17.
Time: 8:27
